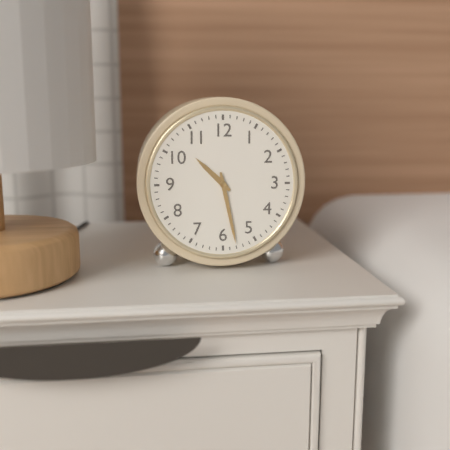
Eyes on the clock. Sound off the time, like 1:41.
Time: 10:28
